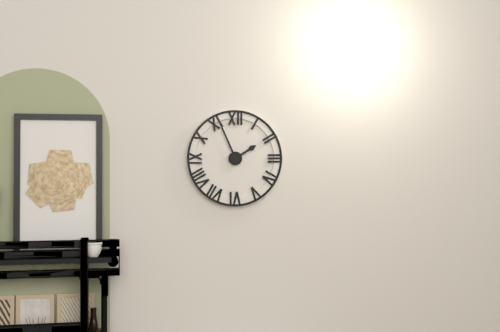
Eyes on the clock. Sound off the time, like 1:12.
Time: 1:56
